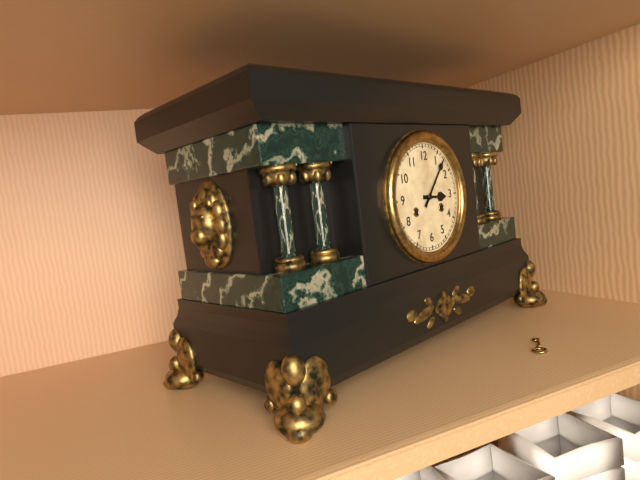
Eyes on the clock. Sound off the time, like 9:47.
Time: 3:07
